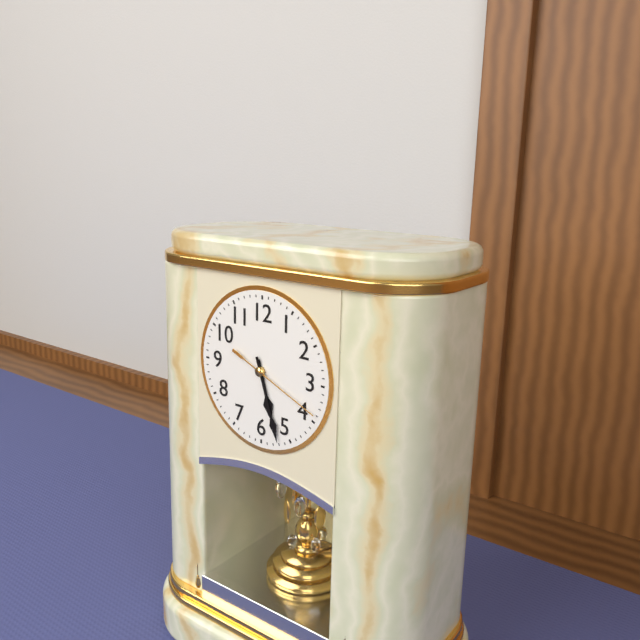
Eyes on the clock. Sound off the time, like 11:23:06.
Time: 5:27:19
